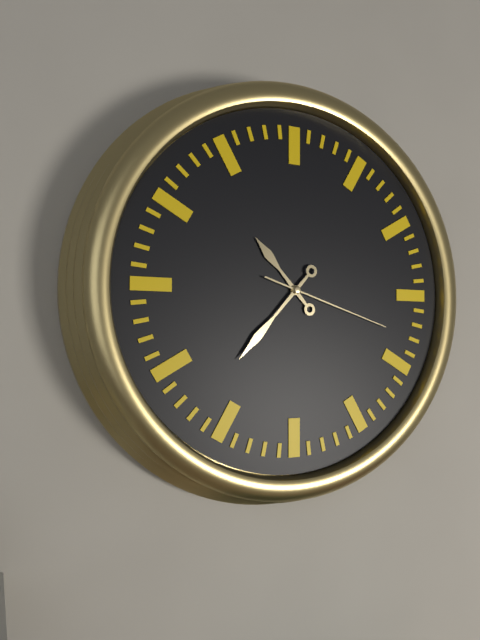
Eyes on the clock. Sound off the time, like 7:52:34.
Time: 10:37:18
